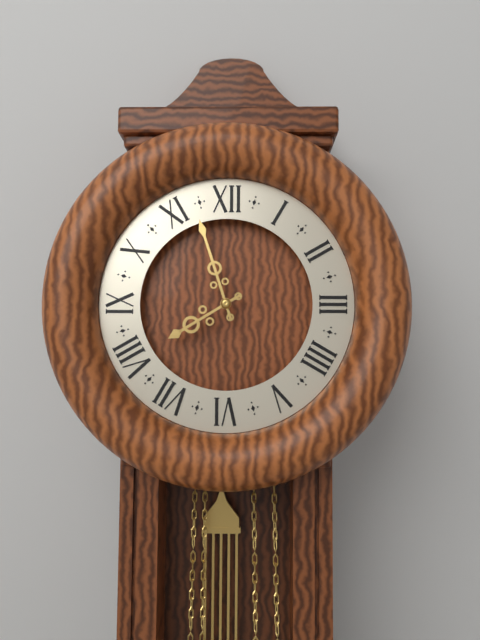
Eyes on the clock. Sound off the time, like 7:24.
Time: 7:57
